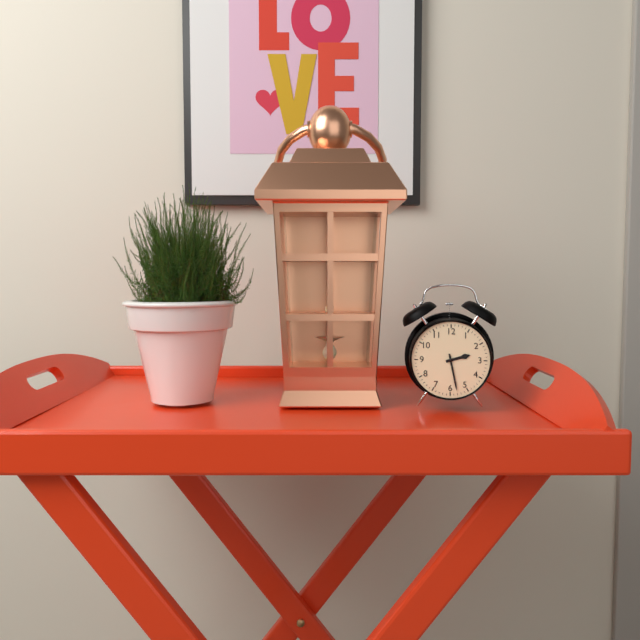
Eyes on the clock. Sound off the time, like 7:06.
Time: 2:28
